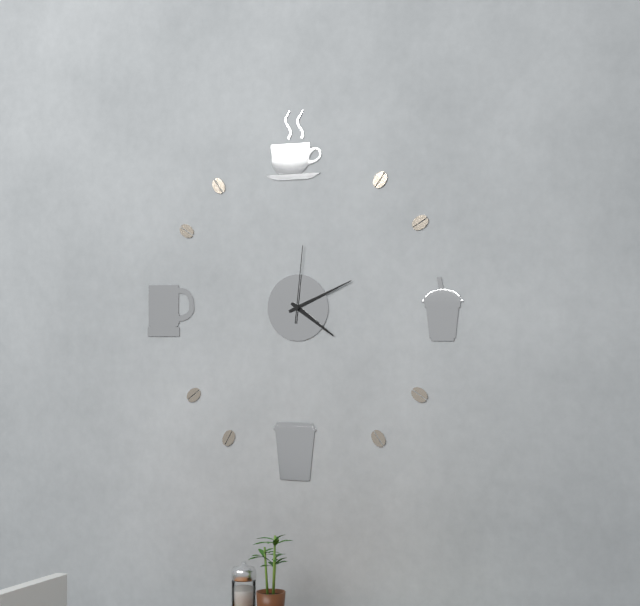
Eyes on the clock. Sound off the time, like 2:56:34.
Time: 4:11:01
